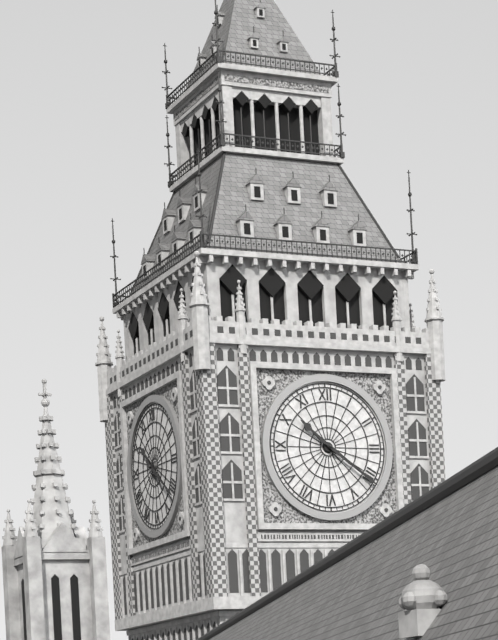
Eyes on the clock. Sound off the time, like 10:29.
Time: 10:21
